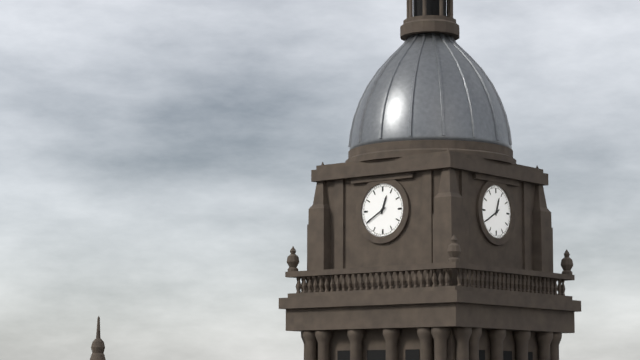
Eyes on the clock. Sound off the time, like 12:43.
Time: 12:40
